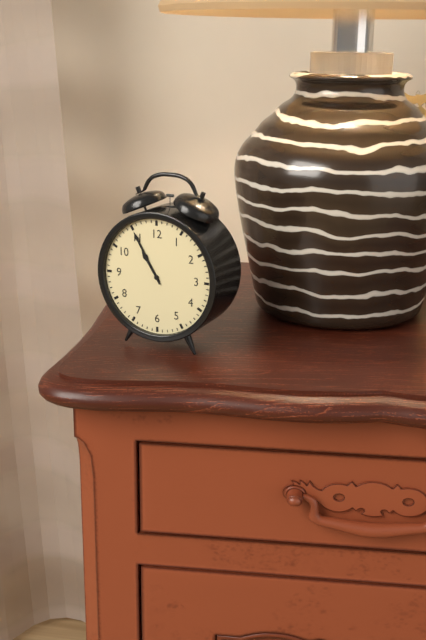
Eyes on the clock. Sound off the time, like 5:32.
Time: 10:55
